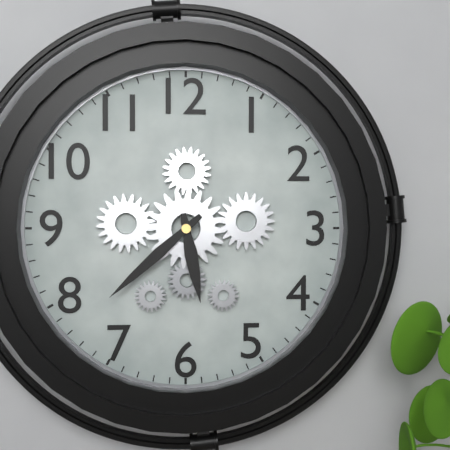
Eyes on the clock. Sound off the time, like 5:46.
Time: 5:38
